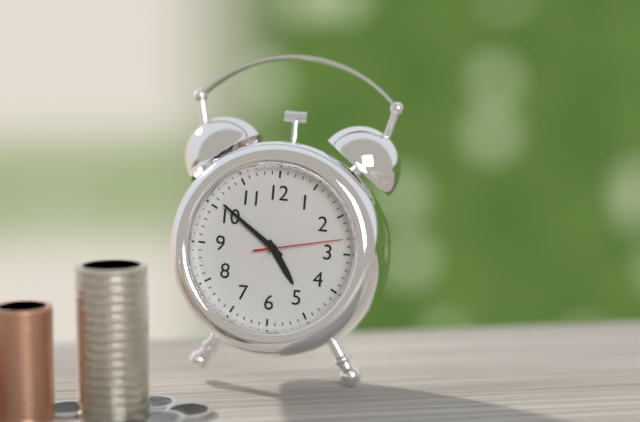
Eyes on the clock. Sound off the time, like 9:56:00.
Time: 4:51:13
